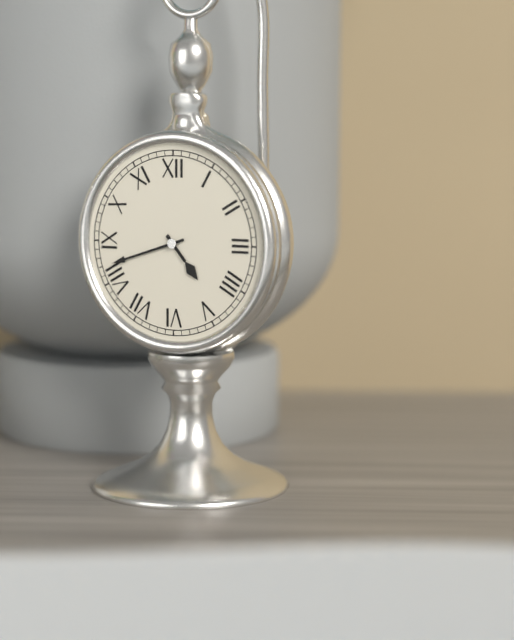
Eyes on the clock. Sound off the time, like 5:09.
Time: 4:42
